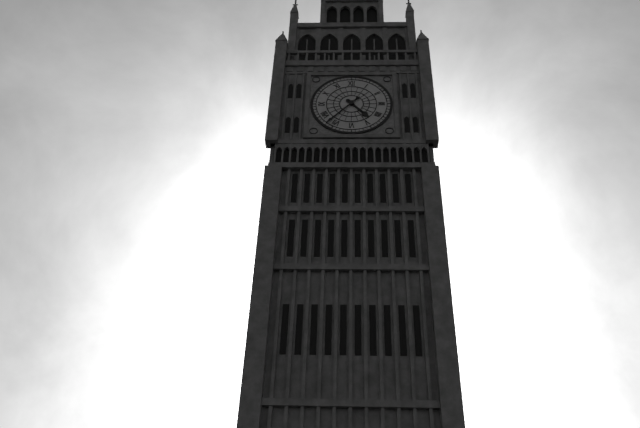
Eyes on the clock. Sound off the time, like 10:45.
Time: 4:37
